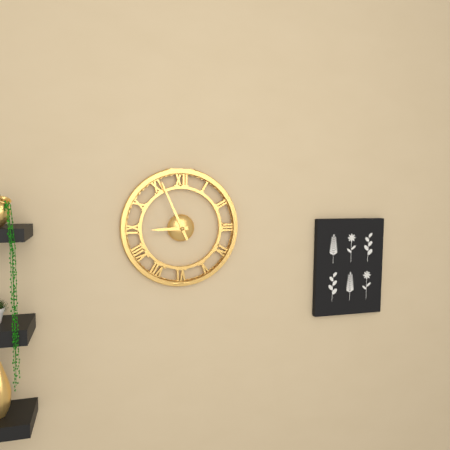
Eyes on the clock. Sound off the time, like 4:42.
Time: 8:56
